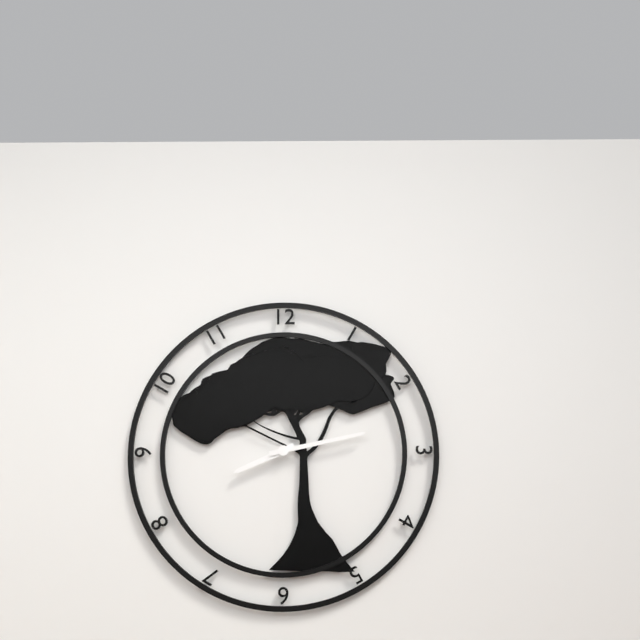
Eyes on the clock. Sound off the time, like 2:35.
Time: 8:13
